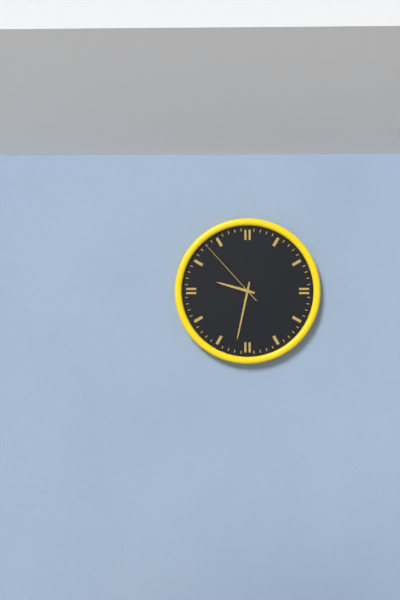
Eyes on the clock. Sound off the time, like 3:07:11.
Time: 9:32:53
